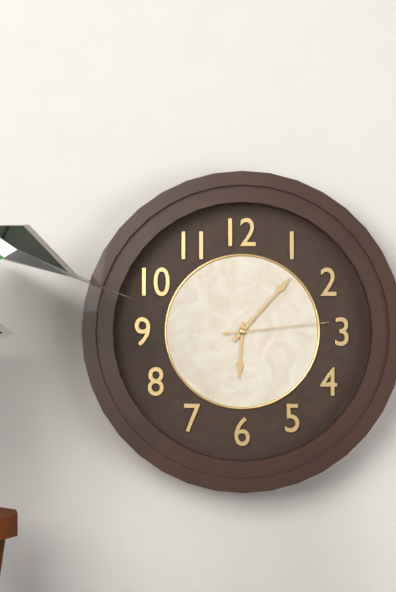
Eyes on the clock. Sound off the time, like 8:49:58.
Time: 6:07:14
